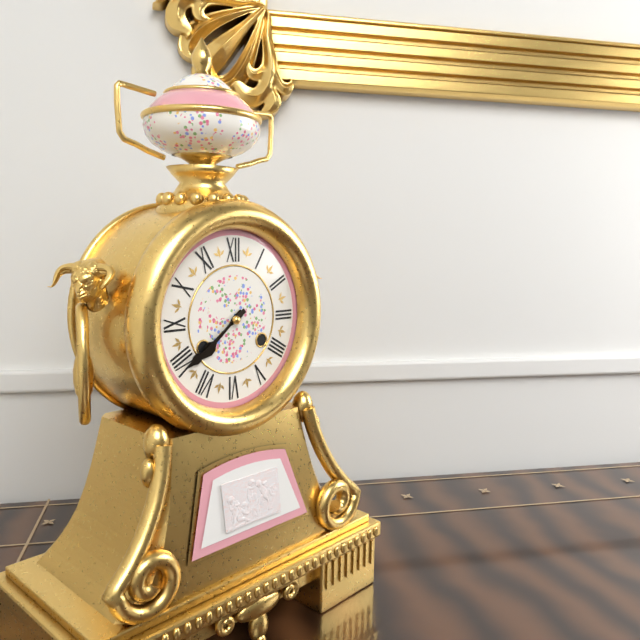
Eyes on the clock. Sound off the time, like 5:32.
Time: 7:39
